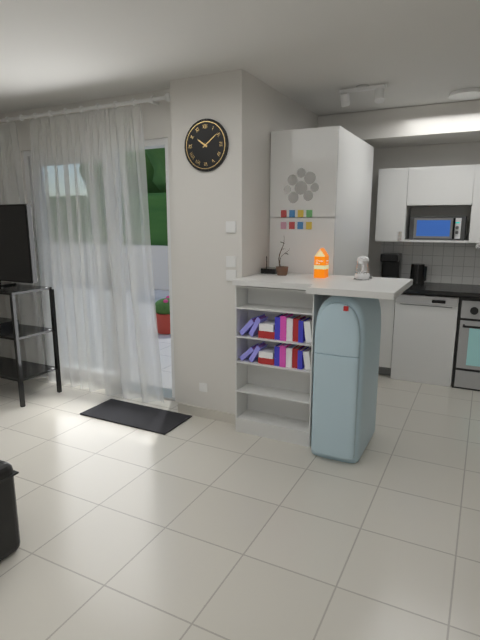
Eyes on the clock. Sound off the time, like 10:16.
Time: 10:09
